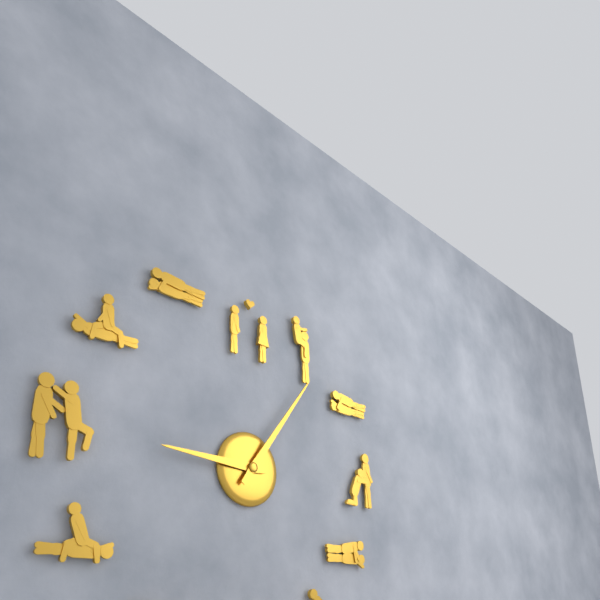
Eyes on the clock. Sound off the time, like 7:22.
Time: 9:06
